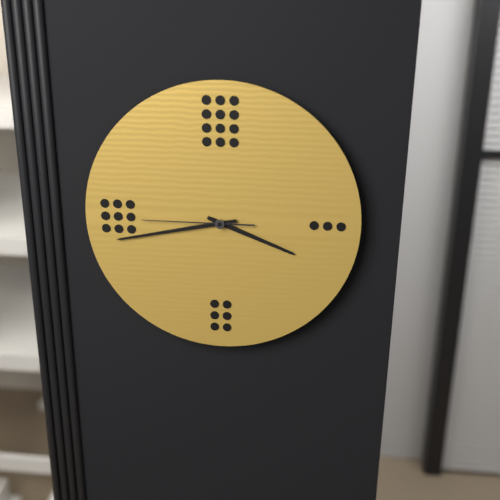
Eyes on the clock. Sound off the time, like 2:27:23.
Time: 3:43:45
